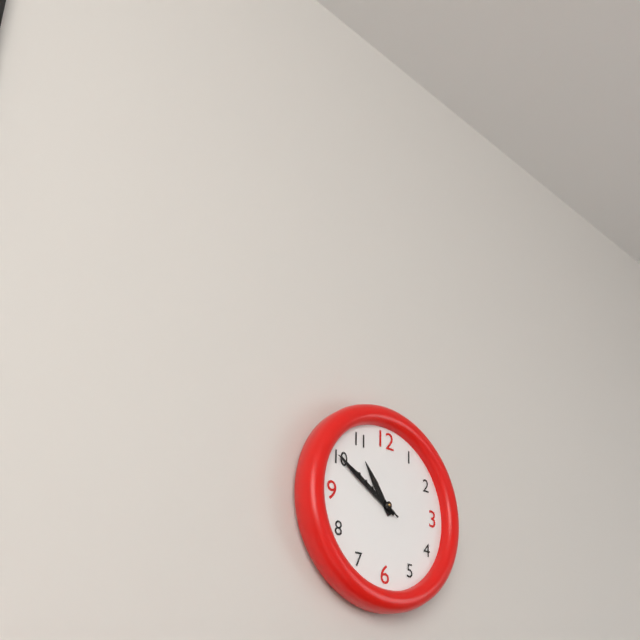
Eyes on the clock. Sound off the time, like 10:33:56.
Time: 10:50:50
